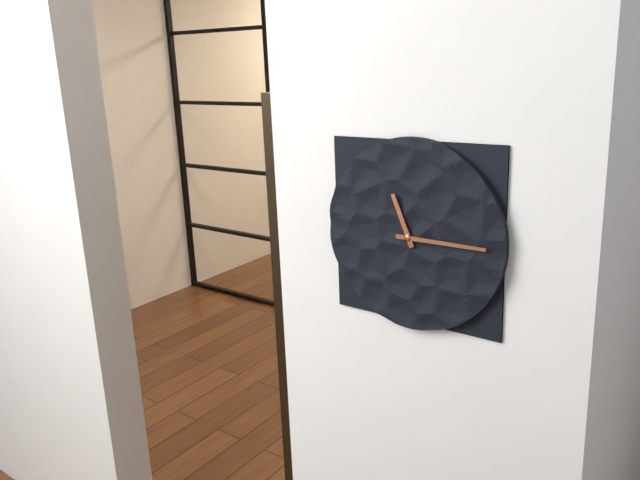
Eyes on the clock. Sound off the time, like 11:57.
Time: 11:15
